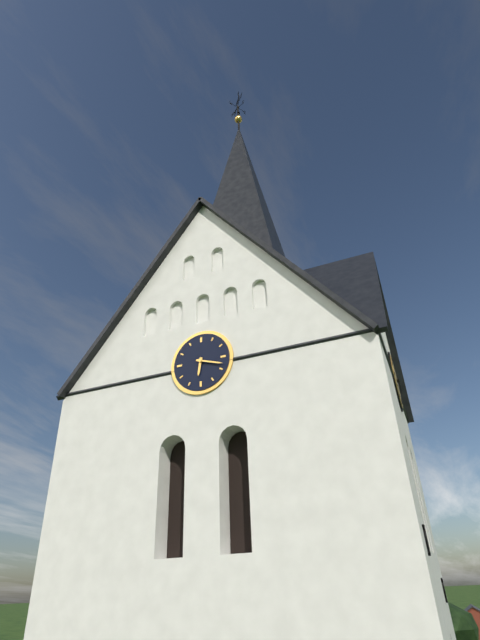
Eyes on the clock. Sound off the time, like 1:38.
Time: 6:18
